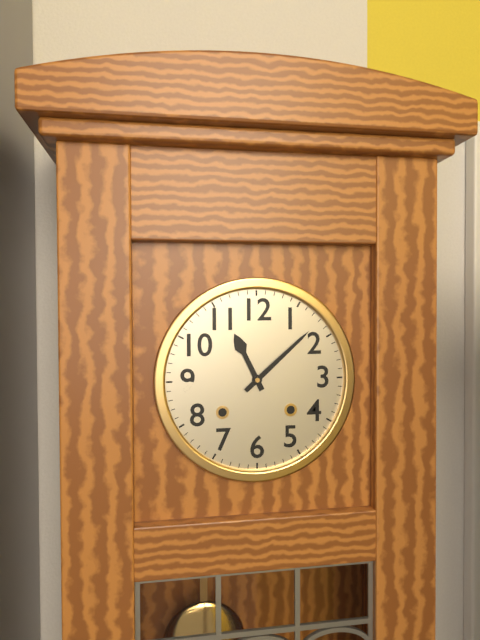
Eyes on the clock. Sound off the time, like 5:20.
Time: 11:08
